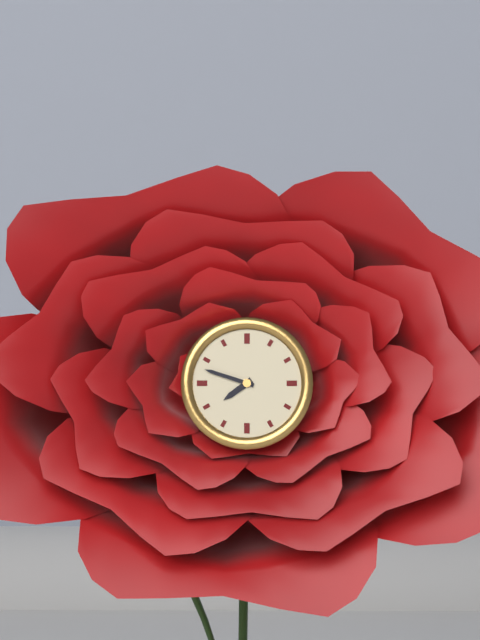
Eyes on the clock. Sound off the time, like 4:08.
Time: 7:48
